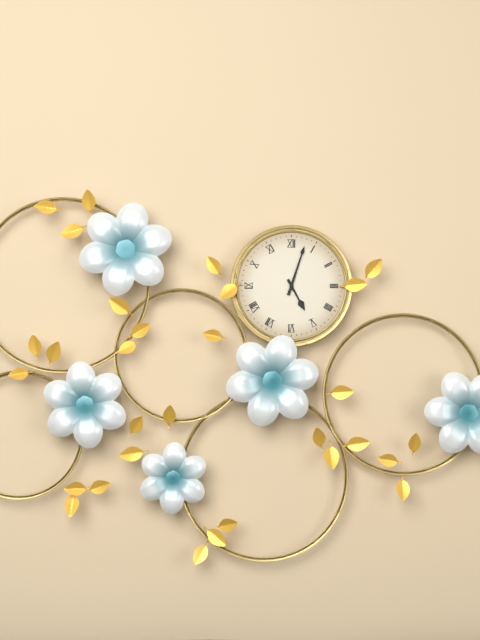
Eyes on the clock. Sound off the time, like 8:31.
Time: 5:03
